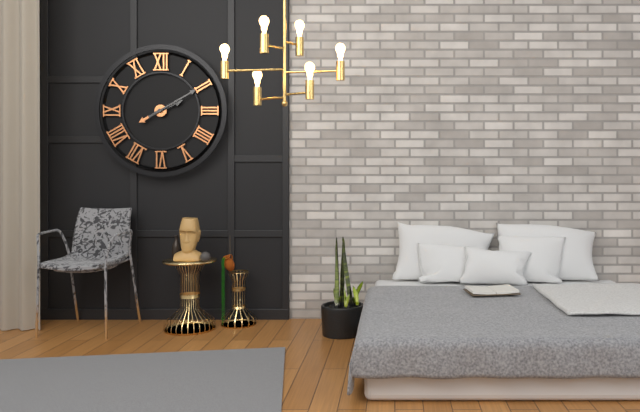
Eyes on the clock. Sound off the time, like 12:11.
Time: 2:10
